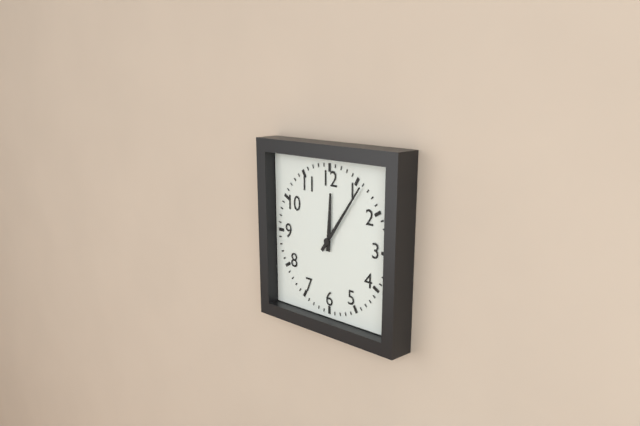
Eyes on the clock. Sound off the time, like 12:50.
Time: 12:06
